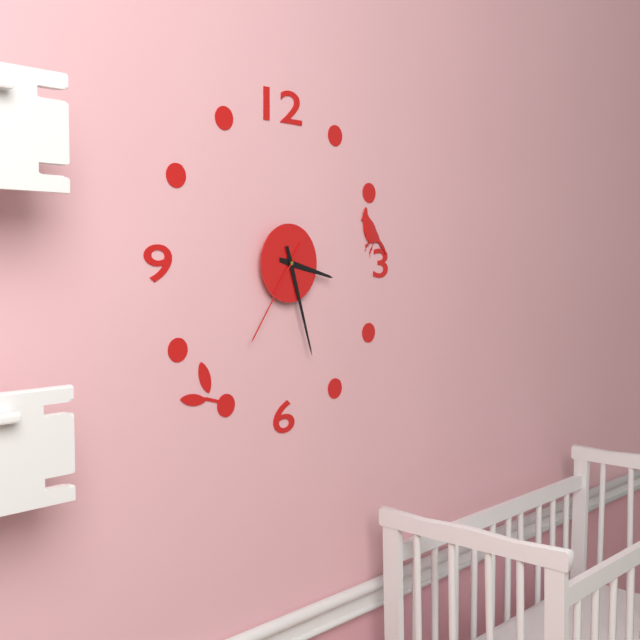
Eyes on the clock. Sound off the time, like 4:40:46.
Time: 3:27:36
